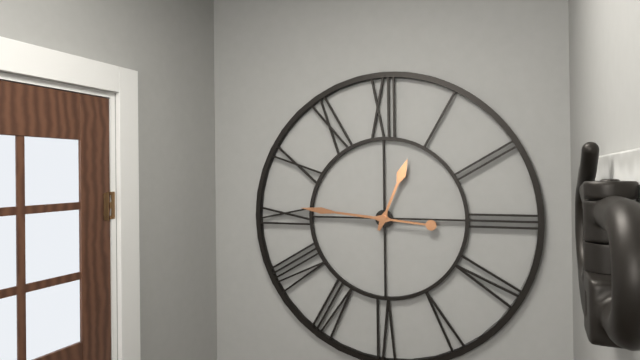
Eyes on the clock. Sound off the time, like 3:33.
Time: 12:46
